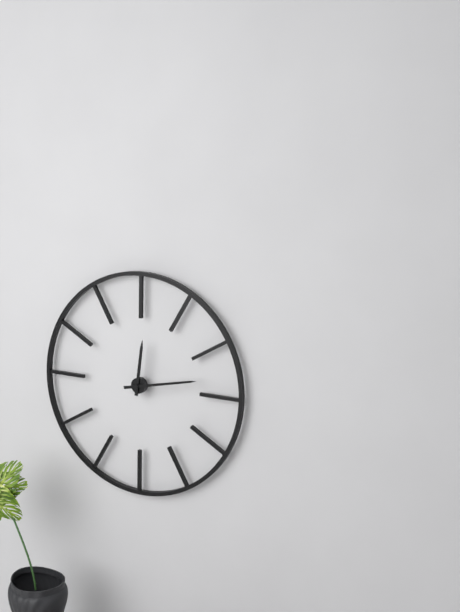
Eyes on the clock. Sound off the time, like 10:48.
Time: 12:13
